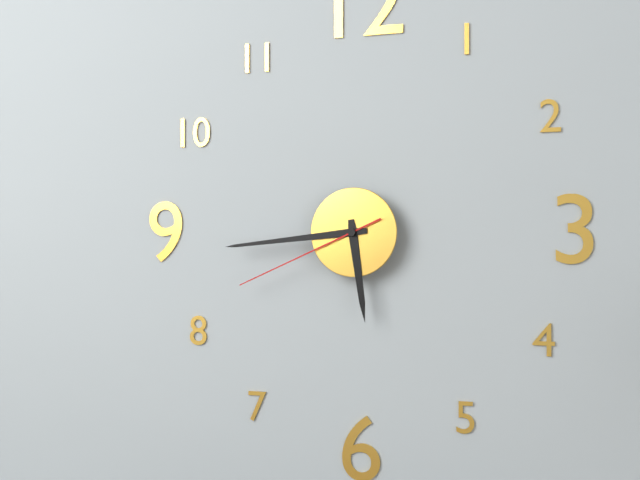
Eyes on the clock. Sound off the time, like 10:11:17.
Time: 5:44:41
